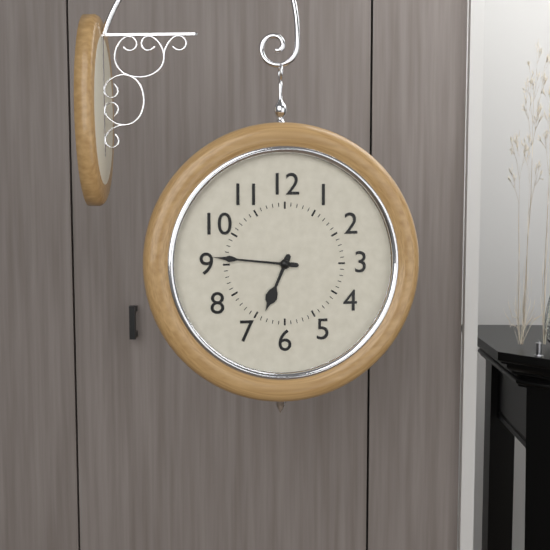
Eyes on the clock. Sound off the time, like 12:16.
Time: 6:46
